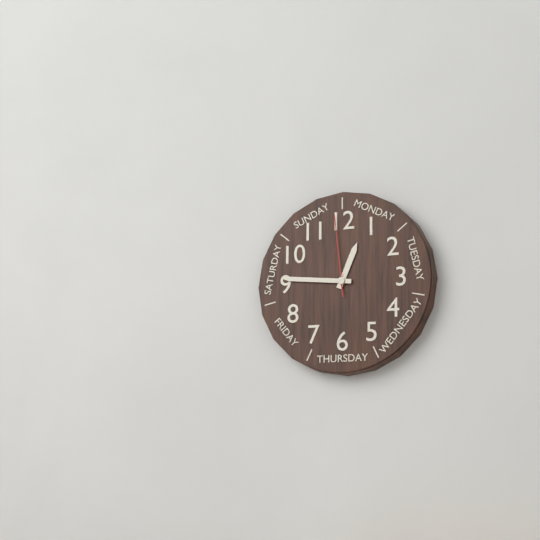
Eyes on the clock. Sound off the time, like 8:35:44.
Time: 12:46:59
